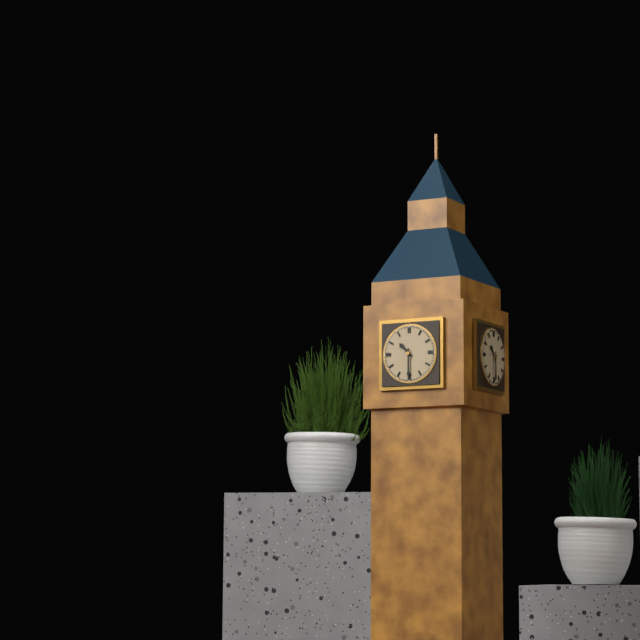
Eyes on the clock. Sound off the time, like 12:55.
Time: 10:30
